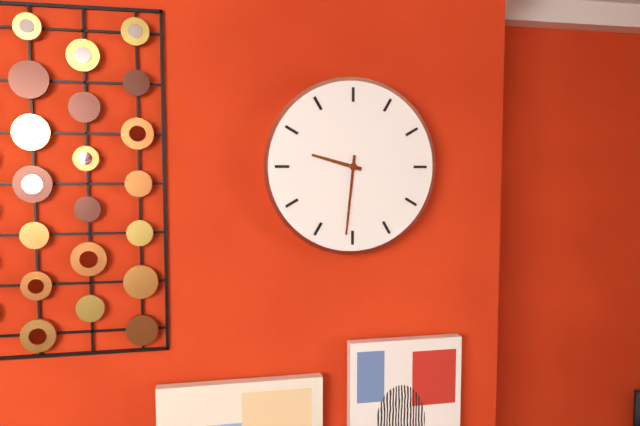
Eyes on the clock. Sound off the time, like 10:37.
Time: 9:31
